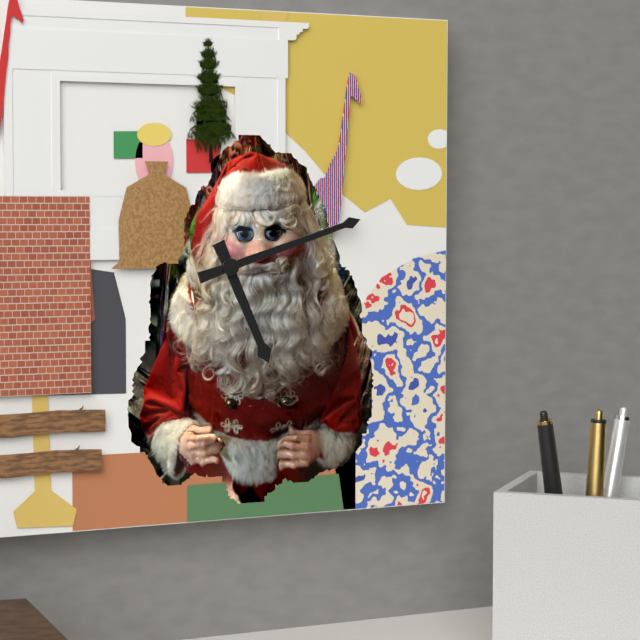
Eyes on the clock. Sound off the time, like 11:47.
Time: 5:12
